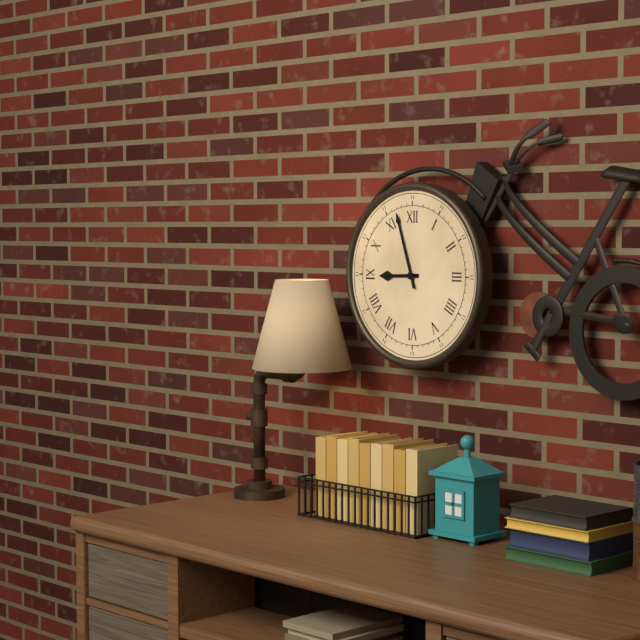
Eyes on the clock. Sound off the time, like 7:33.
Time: 8:57
